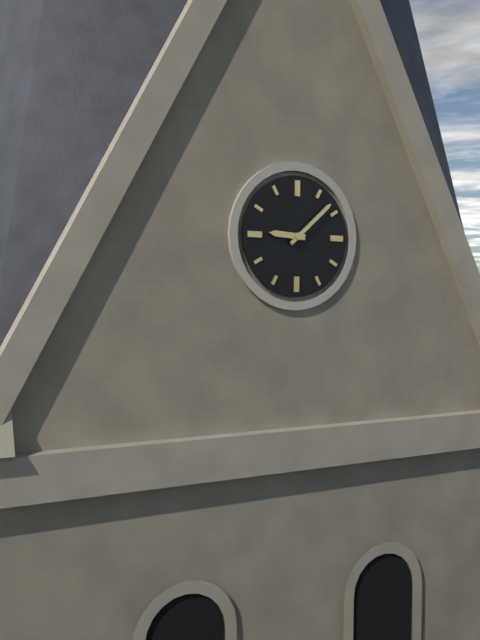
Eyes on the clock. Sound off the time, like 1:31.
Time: 9:08
